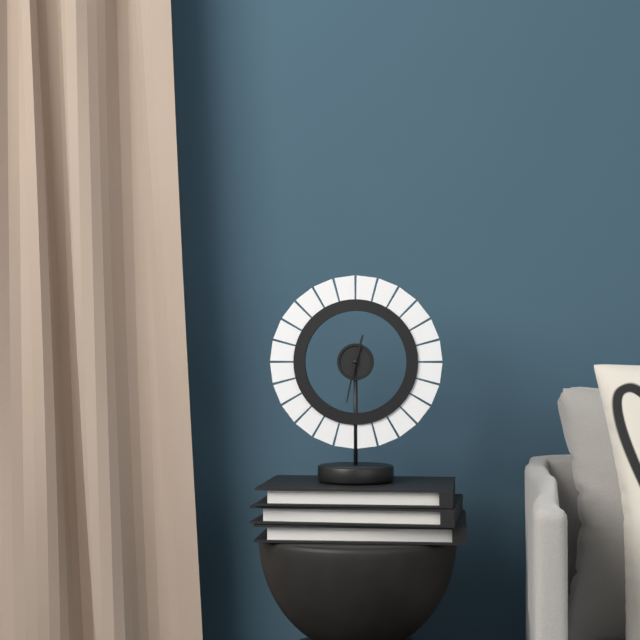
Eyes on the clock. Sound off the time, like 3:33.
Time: 12:32
